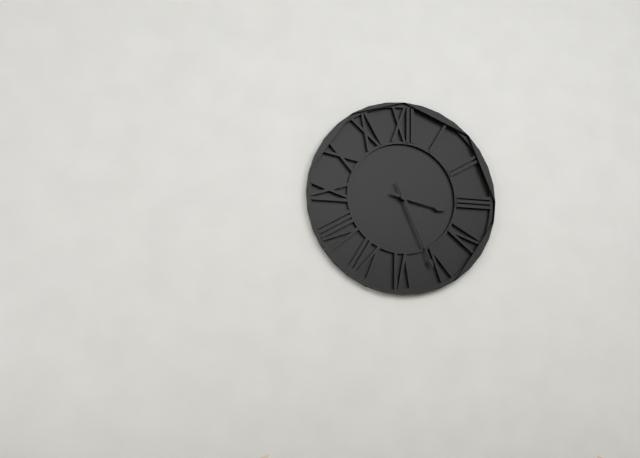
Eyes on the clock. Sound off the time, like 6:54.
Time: 3:26
